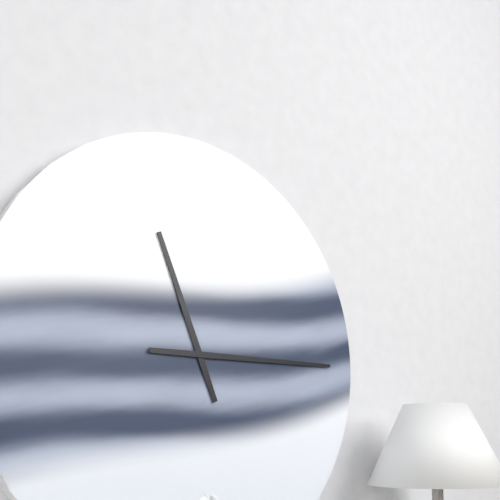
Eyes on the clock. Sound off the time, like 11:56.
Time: 11:15
